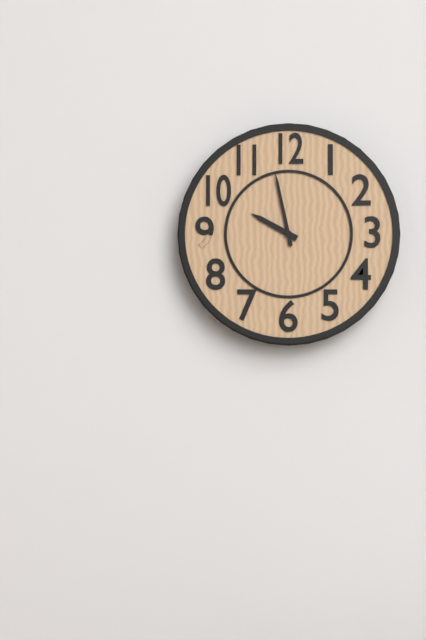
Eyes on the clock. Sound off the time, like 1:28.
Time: 9:58
